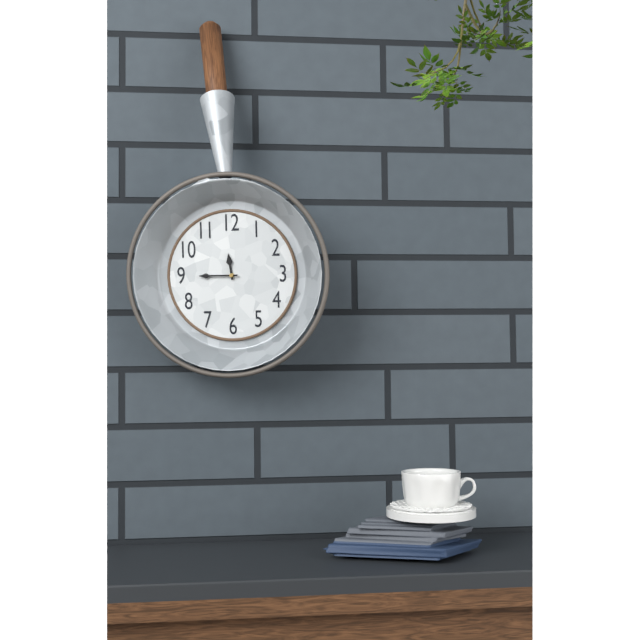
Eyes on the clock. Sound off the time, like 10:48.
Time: 11:45
